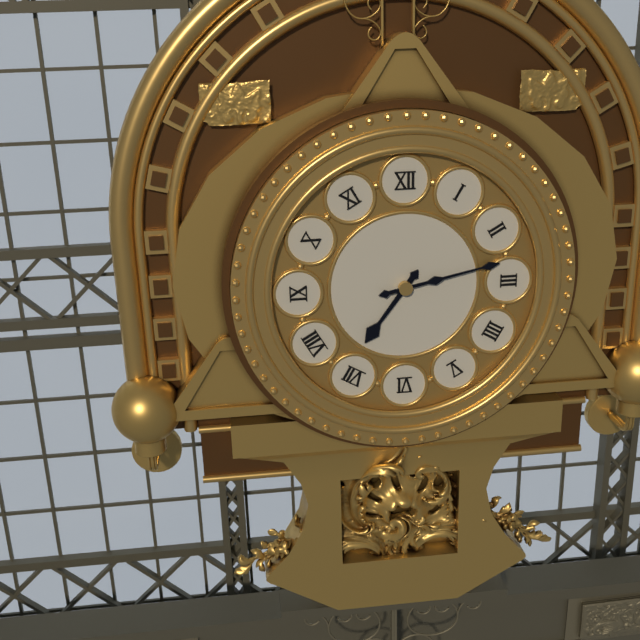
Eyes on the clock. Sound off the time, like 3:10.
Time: 7:13
